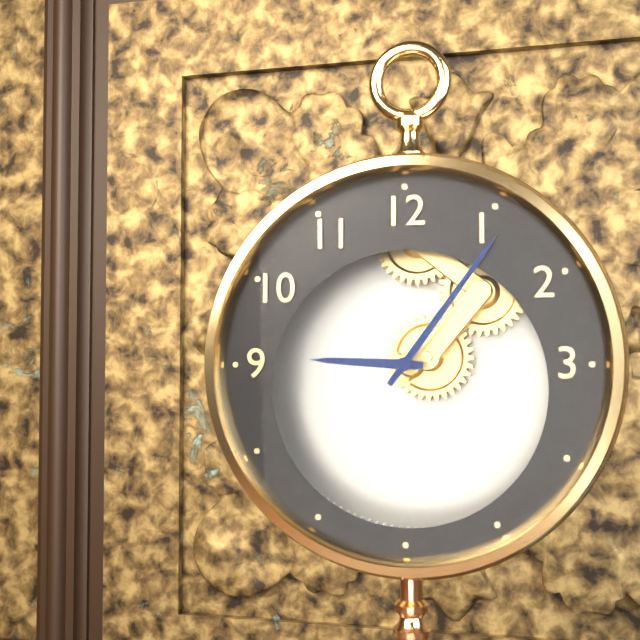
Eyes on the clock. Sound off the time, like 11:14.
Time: 9:06
